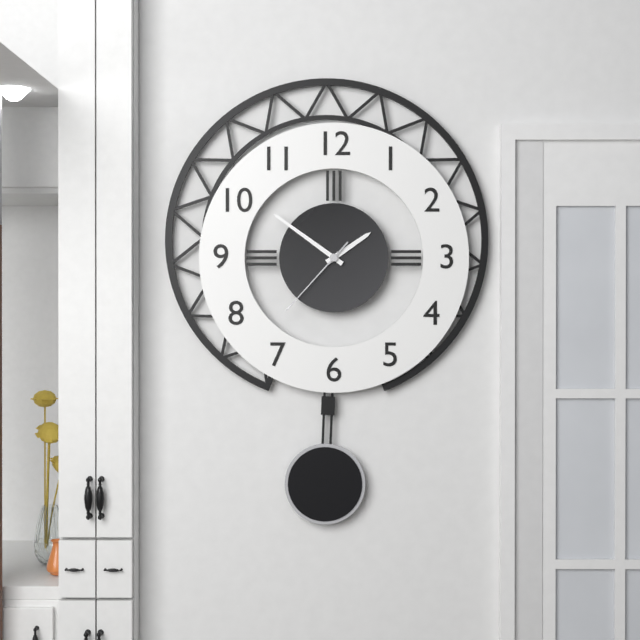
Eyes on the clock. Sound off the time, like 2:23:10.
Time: 1:51:37
